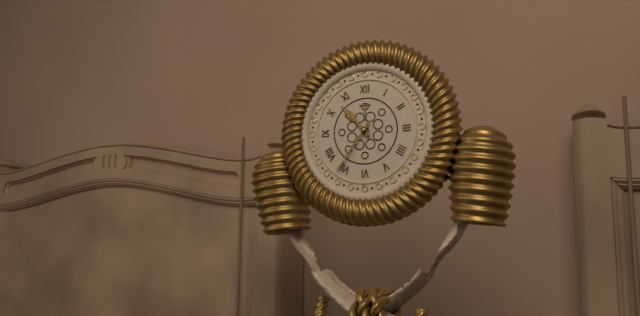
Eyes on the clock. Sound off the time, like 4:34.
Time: 10:36
